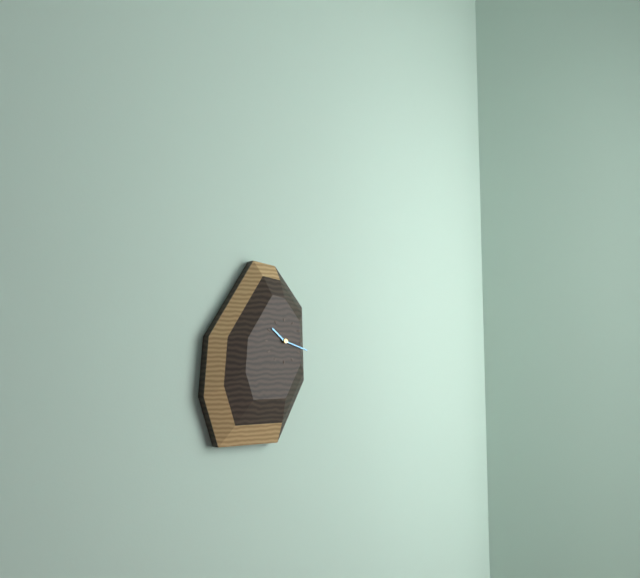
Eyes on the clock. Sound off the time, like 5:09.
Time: 10:18
